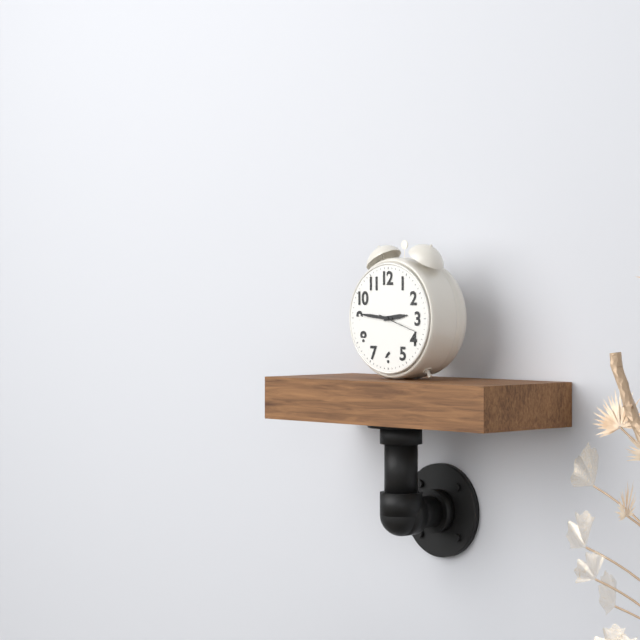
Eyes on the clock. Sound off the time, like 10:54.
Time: 2:46
